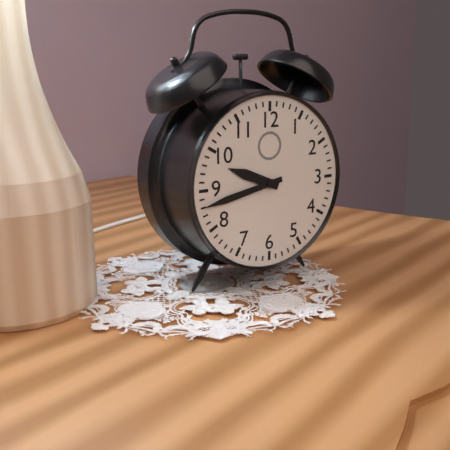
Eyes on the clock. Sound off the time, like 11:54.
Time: 9:43
